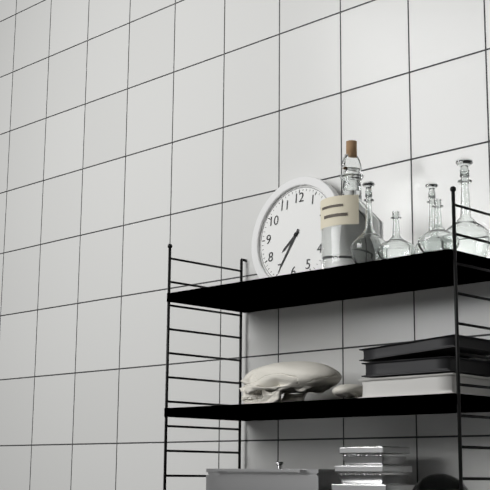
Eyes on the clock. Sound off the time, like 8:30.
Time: 7:35
